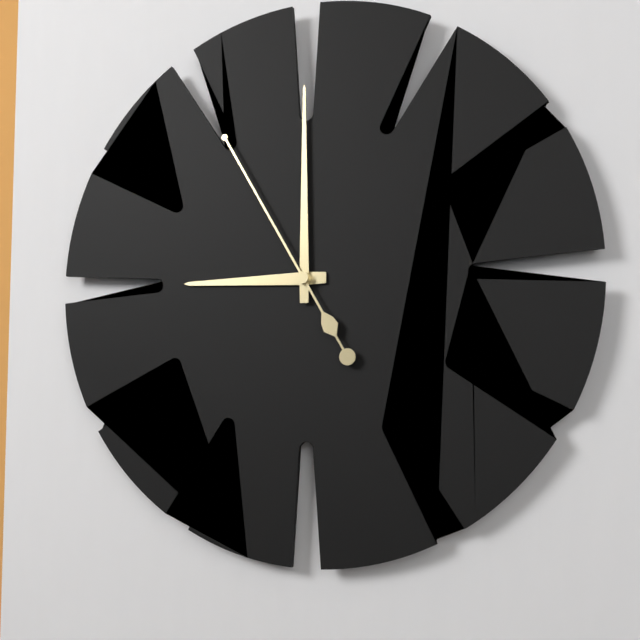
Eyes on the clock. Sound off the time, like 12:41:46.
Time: 9:00:55
